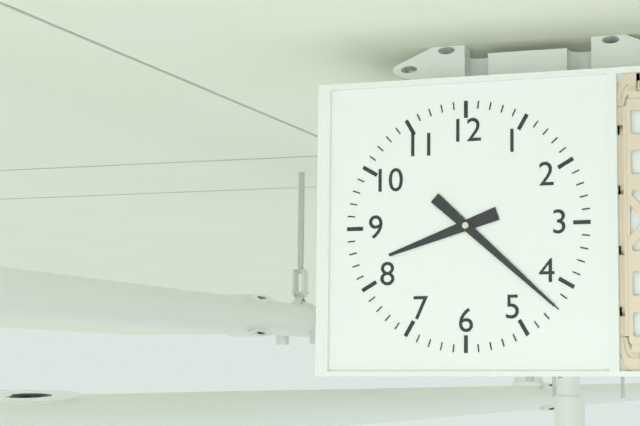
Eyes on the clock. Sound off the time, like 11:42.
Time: 8:22
